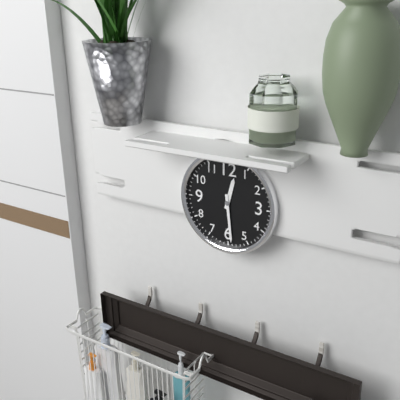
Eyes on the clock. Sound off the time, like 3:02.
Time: 12:29
